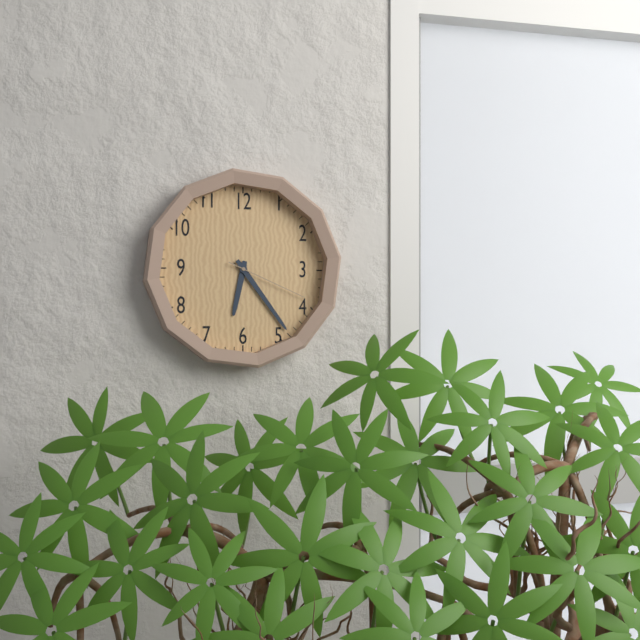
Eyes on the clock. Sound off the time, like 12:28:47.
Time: 6:24:19
